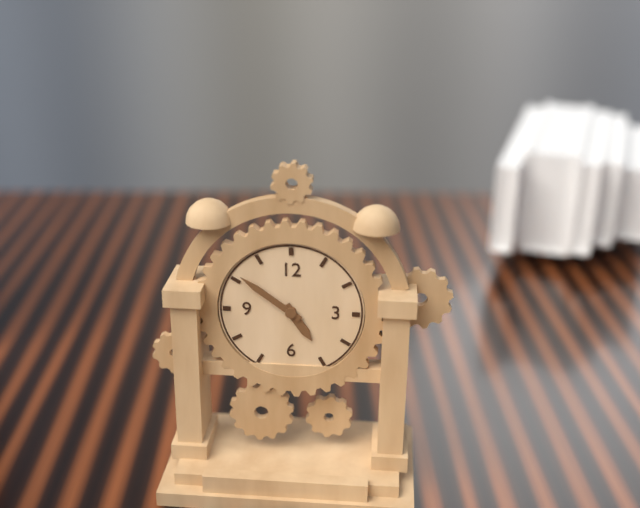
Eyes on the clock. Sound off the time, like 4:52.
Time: 4:51
